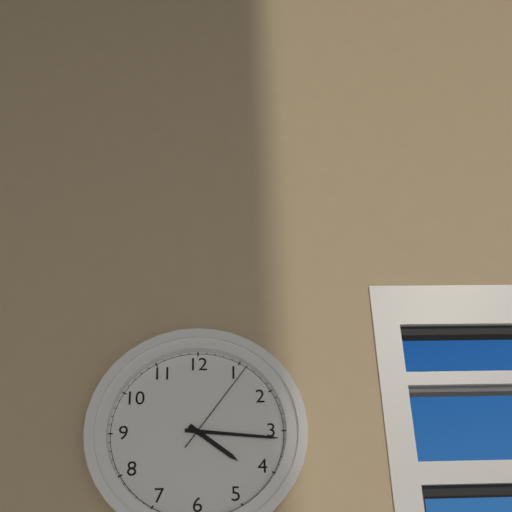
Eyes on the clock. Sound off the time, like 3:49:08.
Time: 4:16:06
